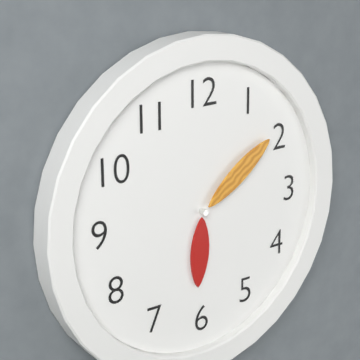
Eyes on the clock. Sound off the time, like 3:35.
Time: 6:09
